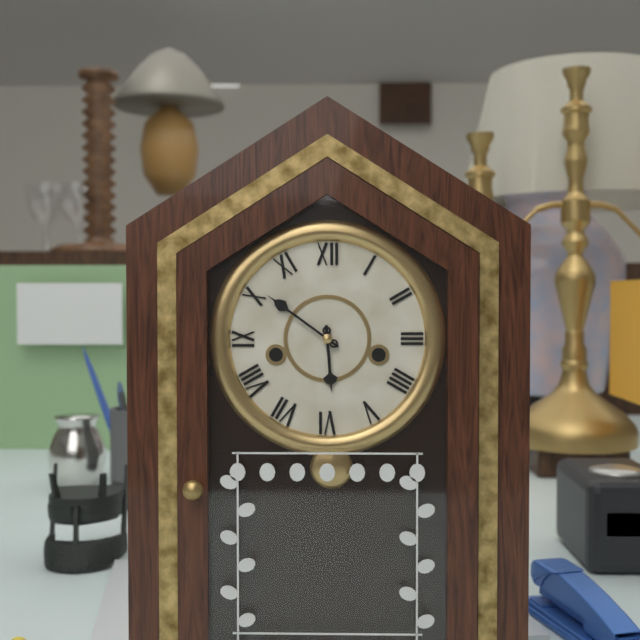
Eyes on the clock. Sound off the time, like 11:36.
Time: 5:51
